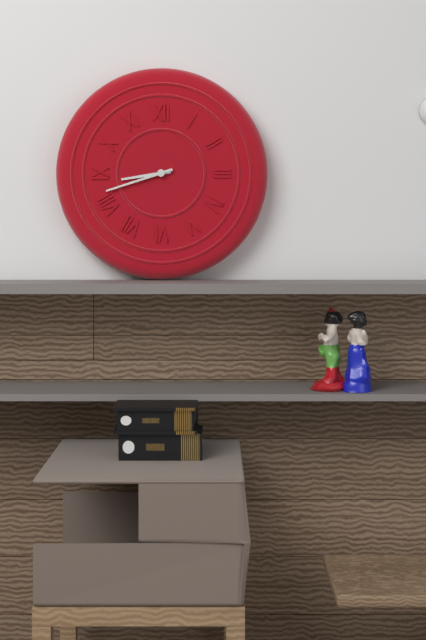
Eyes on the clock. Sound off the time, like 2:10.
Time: 8:42
